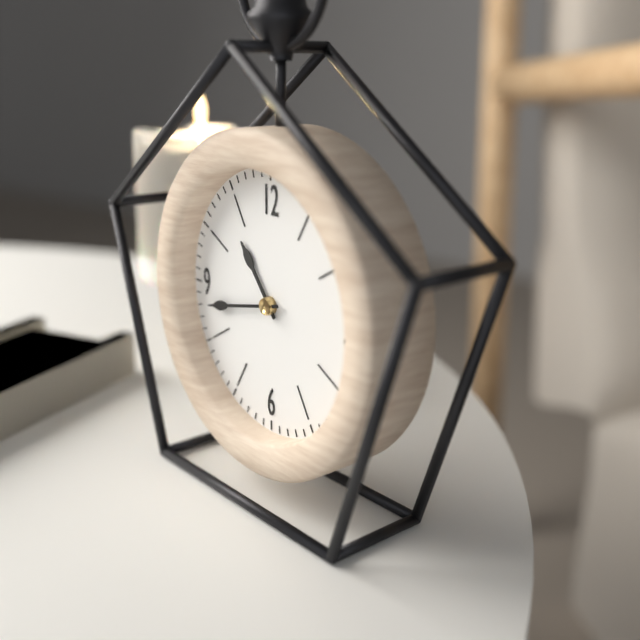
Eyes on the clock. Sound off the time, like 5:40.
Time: 10:43
